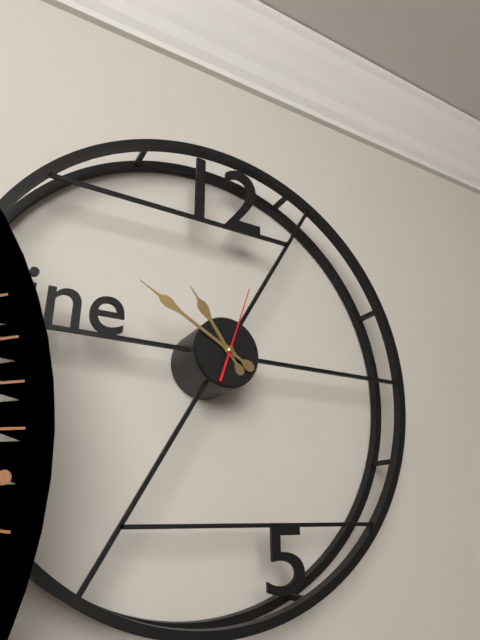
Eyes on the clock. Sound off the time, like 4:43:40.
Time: 10:50:03
